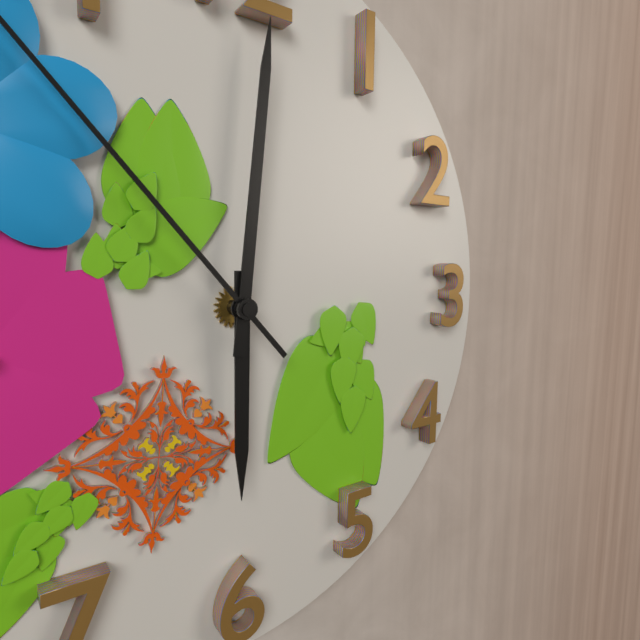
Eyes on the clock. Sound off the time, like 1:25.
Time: 6:01
